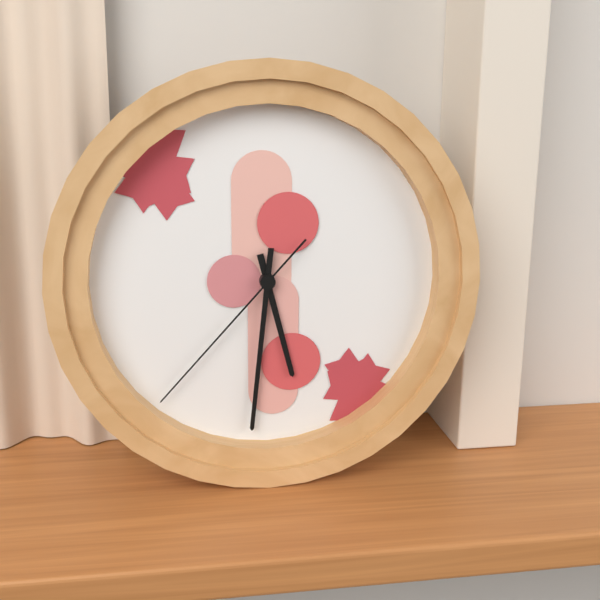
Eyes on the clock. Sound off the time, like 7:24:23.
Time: 5:31:37
